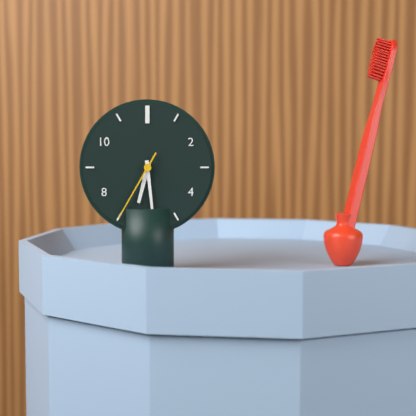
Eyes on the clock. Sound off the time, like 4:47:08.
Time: 6:29:35
